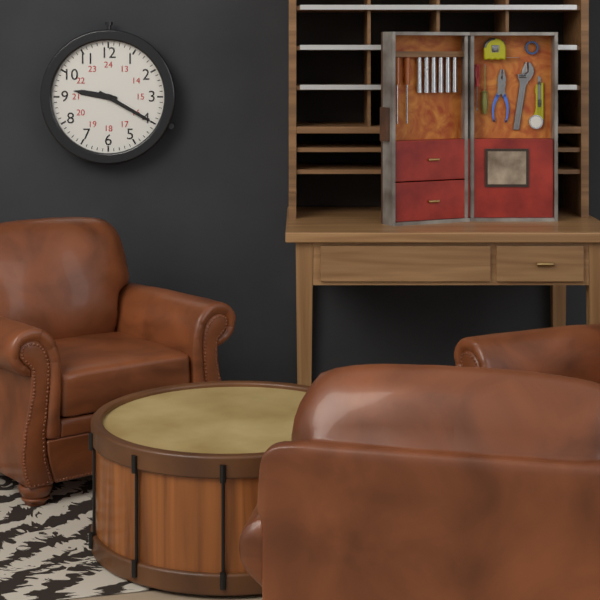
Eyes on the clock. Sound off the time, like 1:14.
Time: 9:20
